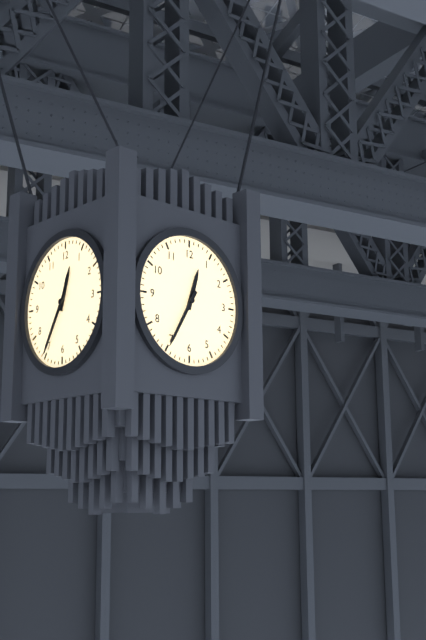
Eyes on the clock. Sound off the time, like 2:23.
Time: 12:35
